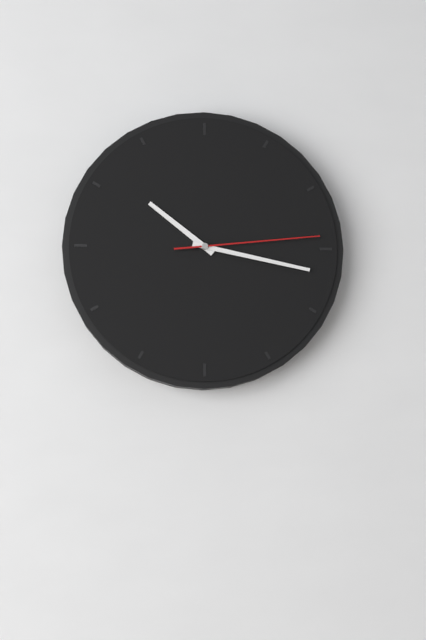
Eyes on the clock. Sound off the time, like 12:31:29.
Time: 10:17:14
